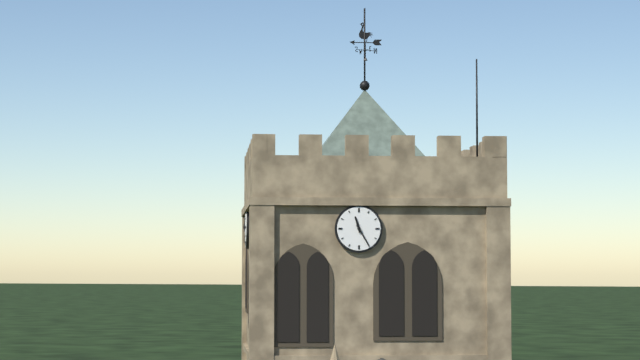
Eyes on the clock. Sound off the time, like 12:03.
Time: 11:25
